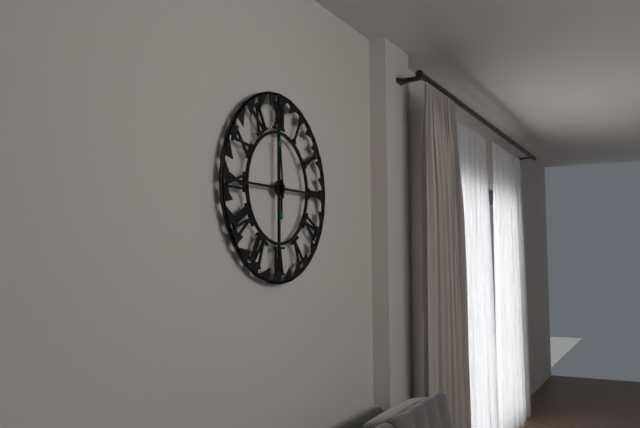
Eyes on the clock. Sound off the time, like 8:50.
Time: 5:59
